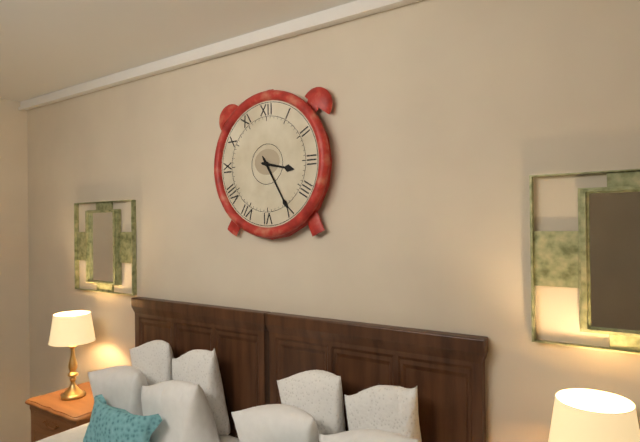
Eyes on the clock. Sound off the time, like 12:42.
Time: 3:25
